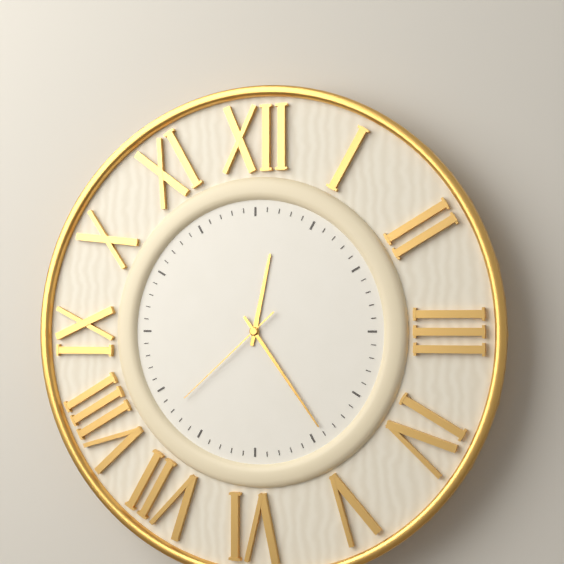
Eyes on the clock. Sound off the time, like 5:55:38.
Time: 12:24:38
